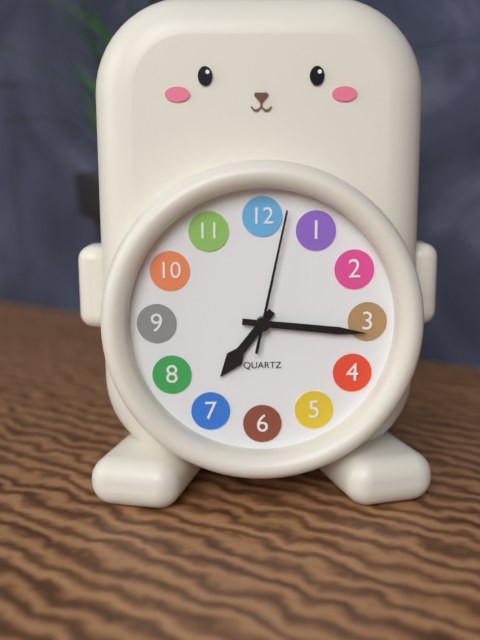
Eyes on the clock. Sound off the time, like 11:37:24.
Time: 7:16:02
